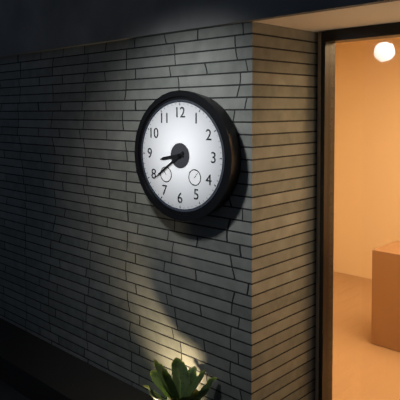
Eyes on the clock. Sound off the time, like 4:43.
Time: 8:39
